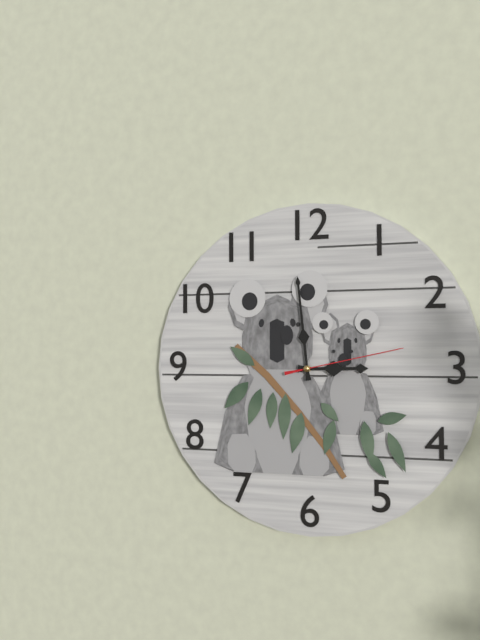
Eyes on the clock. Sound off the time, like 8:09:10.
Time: 2:59:13
